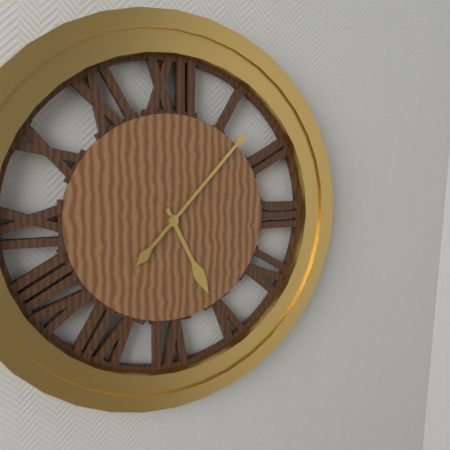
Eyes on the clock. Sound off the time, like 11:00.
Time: 5:07
